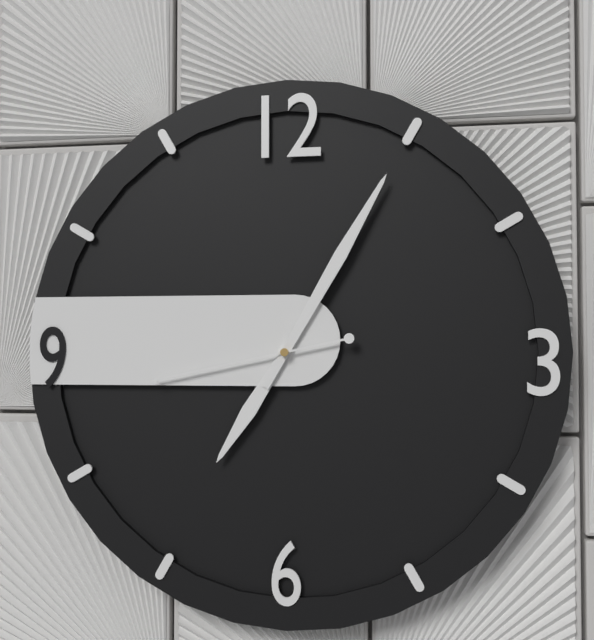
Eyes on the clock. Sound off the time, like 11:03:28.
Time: 7:05:43
